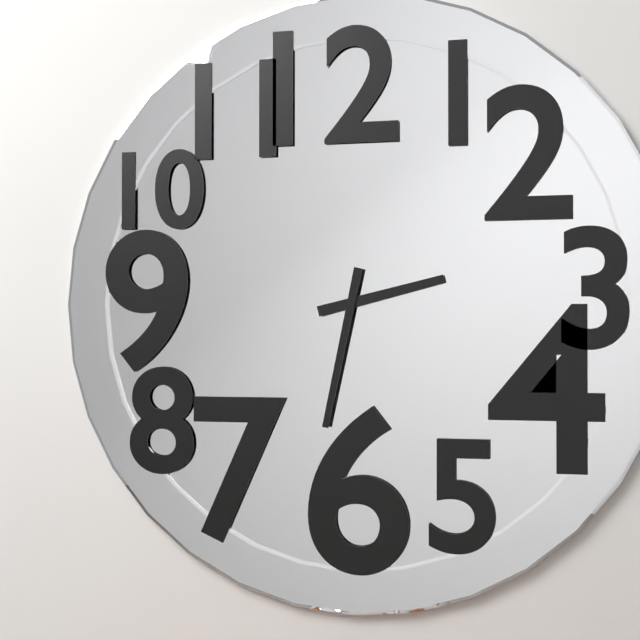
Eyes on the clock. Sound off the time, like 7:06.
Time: 2:32
